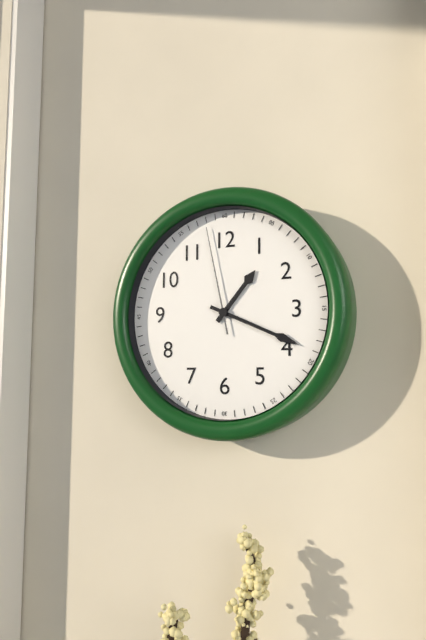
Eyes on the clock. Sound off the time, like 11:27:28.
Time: 1:19:58
